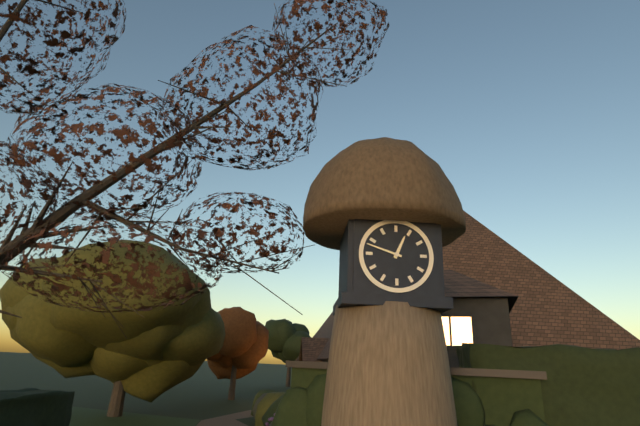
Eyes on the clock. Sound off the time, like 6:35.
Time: 12:48
